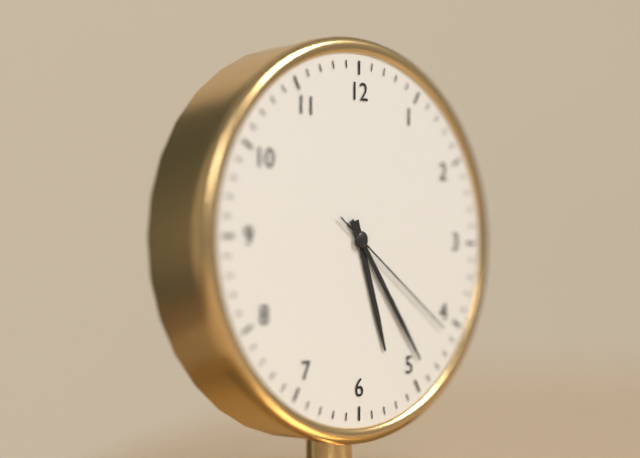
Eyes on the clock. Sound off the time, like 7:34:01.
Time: 5:24:21
